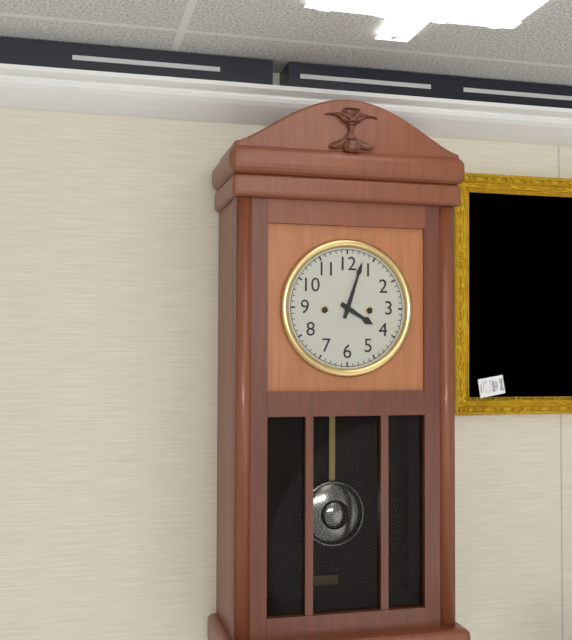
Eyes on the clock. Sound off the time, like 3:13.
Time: 4:03
